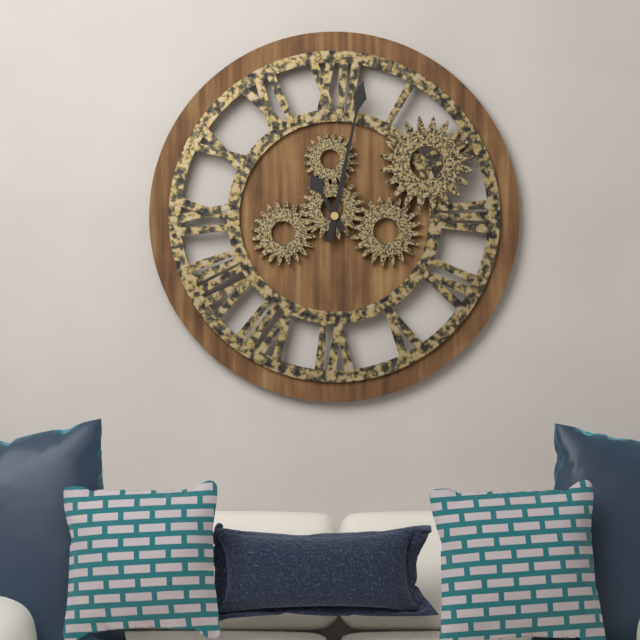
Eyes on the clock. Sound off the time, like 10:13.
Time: 11:02
